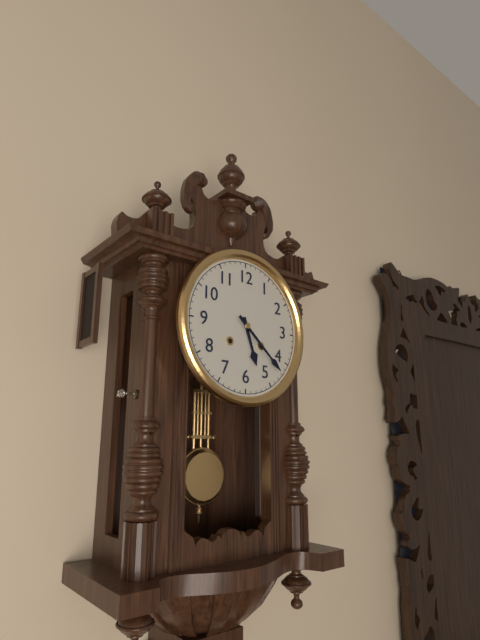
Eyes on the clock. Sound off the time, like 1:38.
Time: 5:22
